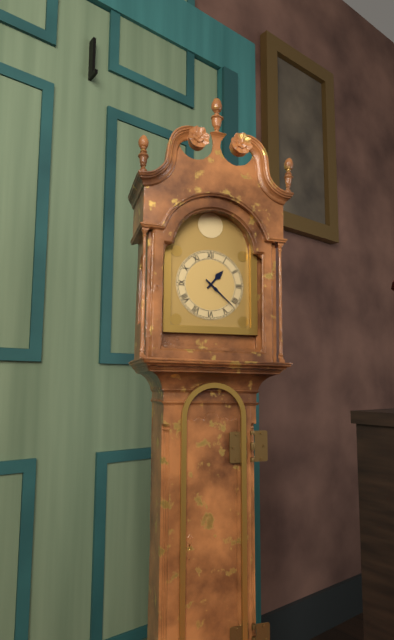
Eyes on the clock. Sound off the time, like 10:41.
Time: 1:22
